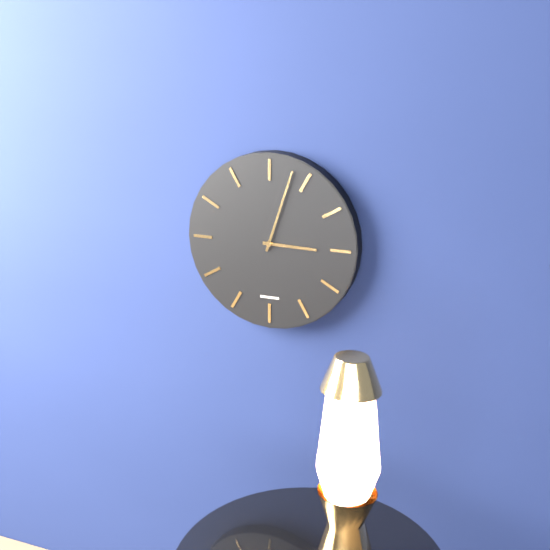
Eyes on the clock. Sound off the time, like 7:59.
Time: 3:03
